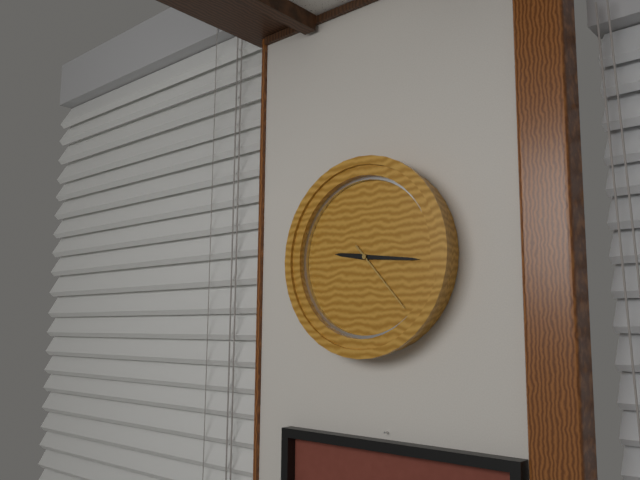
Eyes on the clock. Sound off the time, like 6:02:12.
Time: 9:16:23
